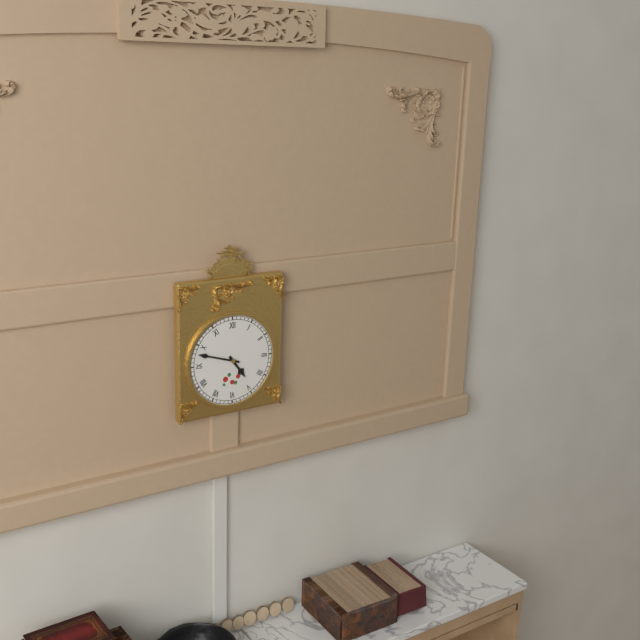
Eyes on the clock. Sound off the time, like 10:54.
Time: 4:48
